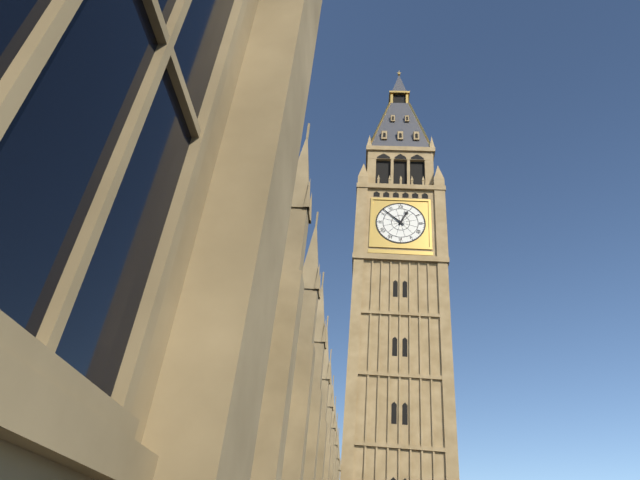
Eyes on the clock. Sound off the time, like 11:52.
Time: 12:52
